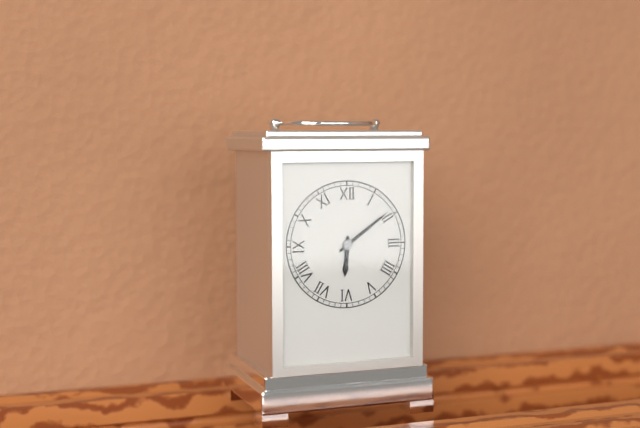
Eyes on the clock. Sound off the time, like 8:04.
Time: 6:09
